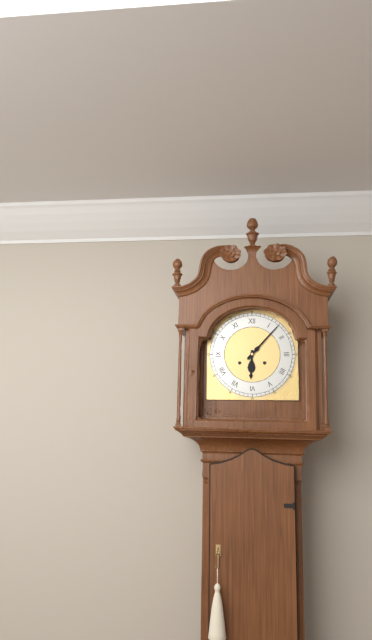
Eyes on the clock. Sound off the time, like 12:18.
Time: 6:07
